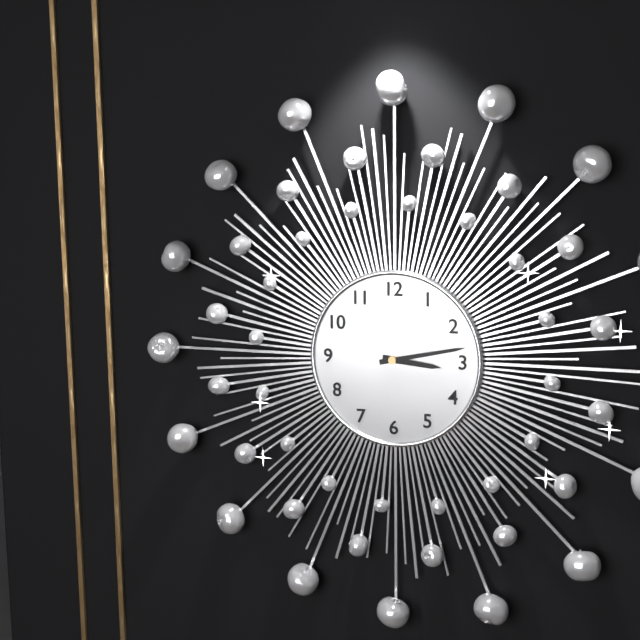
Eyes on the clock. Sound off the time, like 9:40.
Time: 3:13
